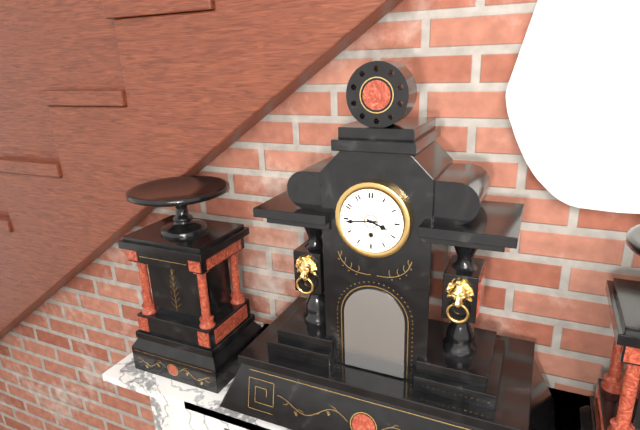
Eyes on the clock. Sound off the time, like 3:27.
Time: 3:44
